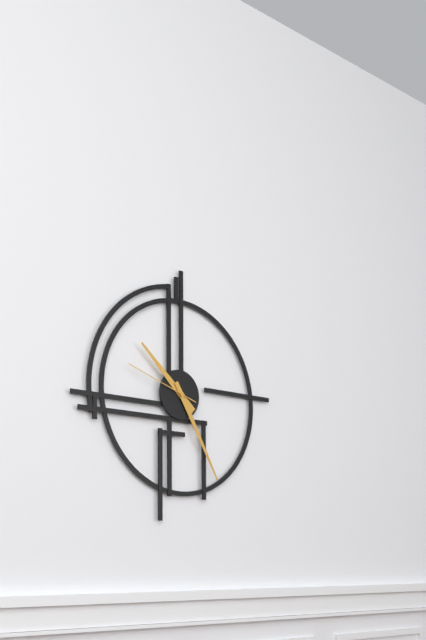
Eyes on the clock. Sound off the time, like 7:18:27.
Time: 10:25:48
